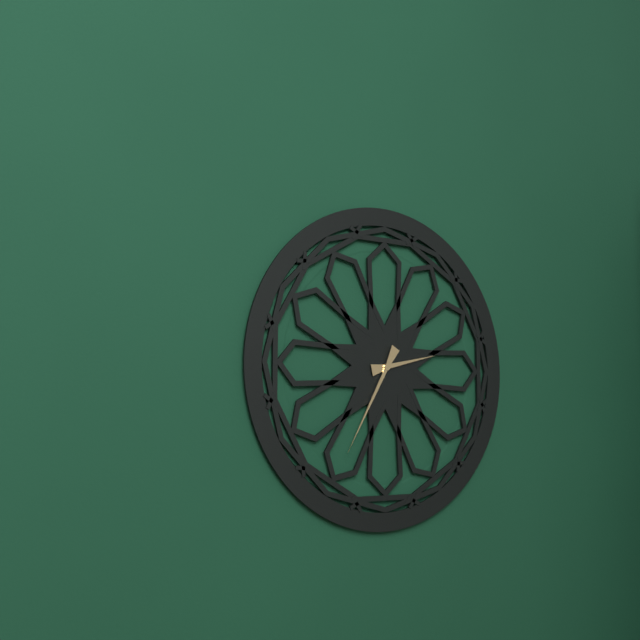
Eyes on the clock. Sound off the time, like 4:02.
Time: 2:35
